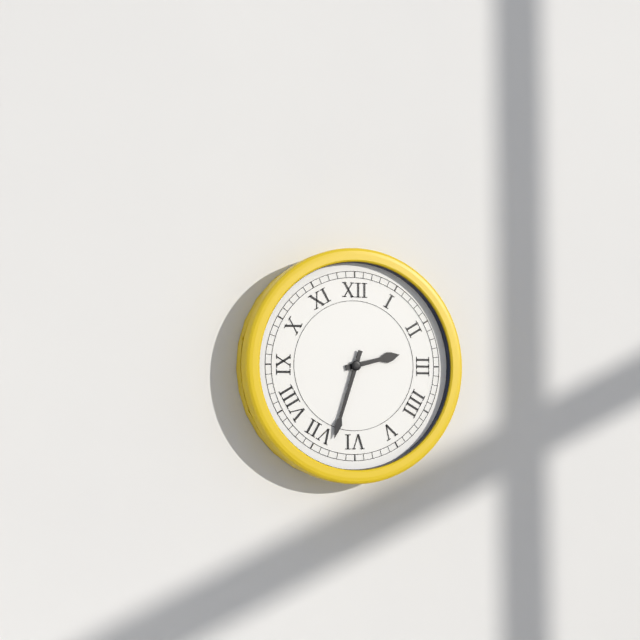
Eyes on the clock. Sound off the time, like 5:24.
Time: 2:33
